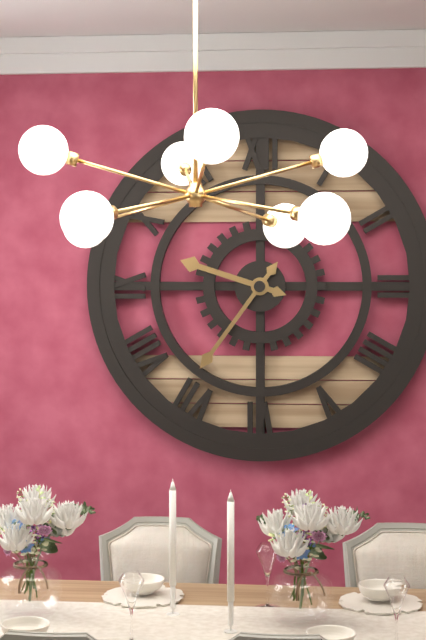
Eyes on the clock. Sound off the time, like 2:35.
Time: 9:36
